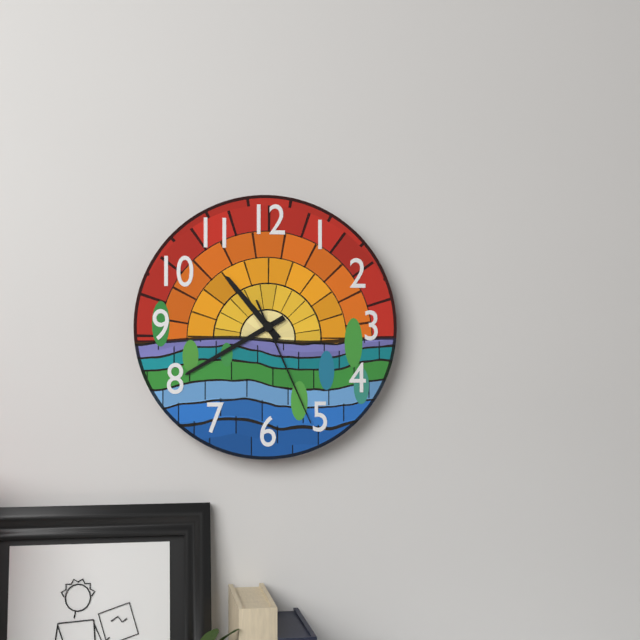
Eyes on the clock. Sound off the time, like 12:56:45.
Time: 10:40:26
